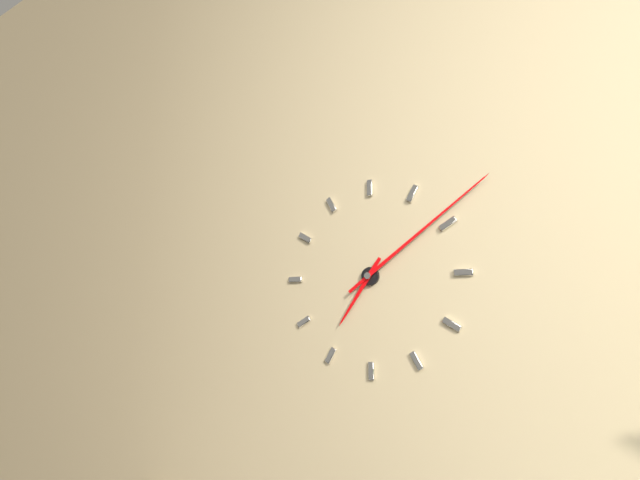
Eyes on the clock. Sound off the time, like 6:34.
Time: 7:09
